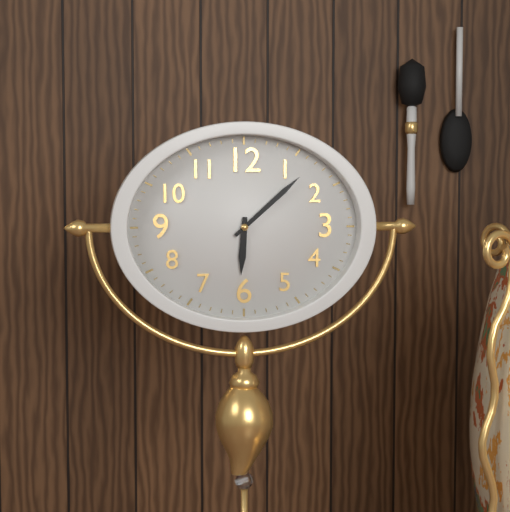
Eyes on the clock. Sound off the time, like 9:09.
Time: 6:08
